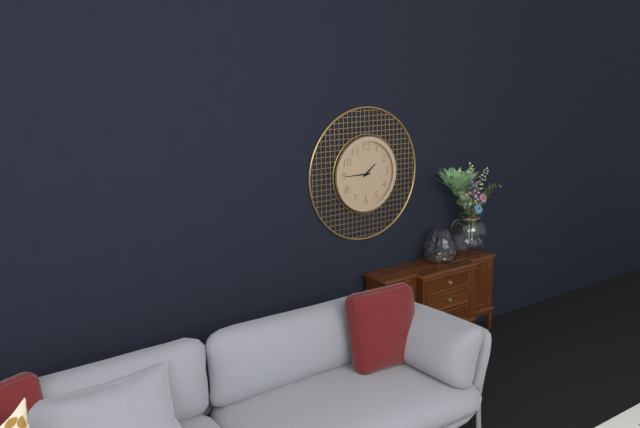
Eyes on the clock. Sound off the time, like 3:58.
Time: 1:45
